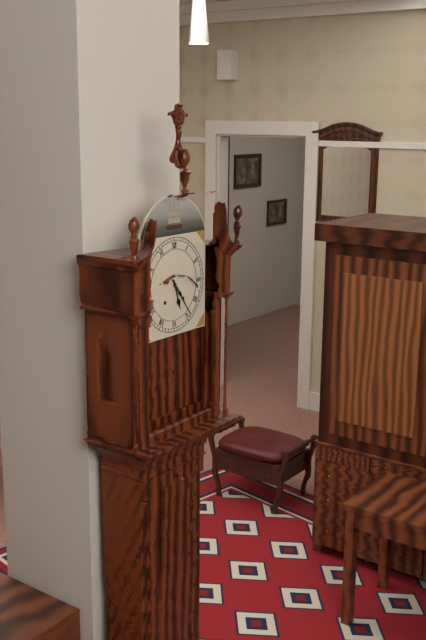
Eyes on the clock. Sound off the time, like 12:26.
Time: 5:24
